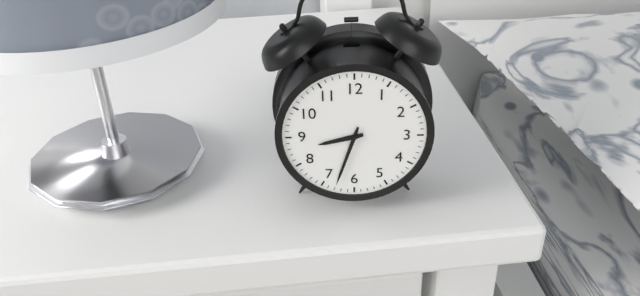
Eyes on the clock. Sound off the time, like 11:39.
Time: 8:33
